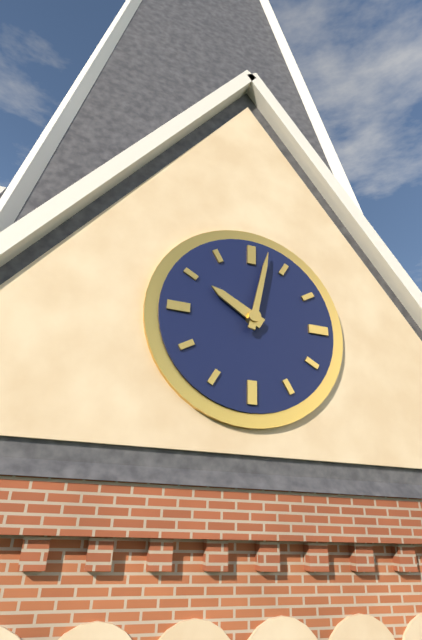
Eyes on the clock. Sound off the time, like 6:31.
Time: 10:02
